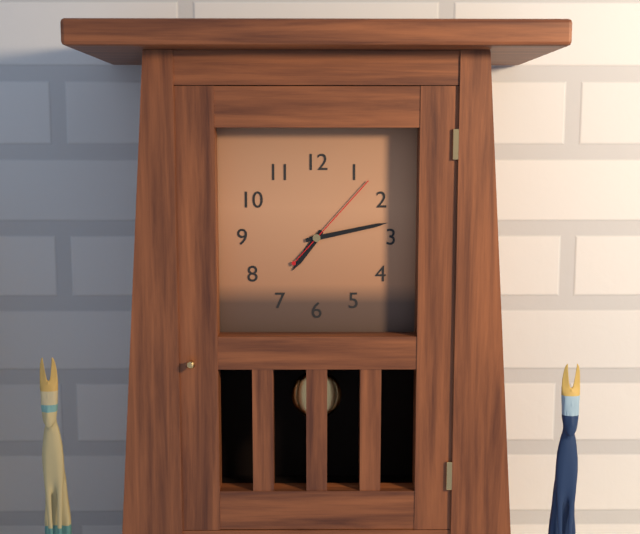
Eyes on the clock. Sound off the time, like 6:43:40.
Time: 7:13:07
